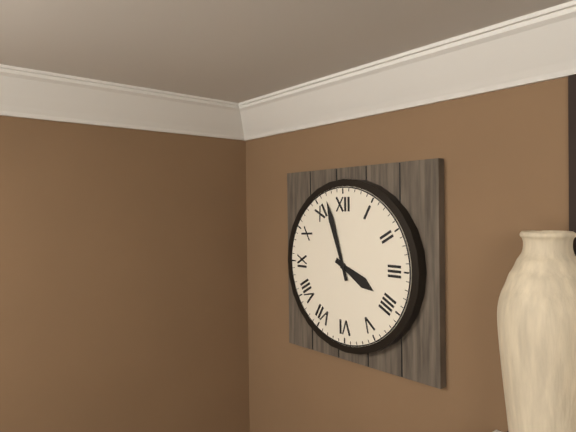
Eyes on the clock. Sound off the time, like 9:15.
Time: 3:57
